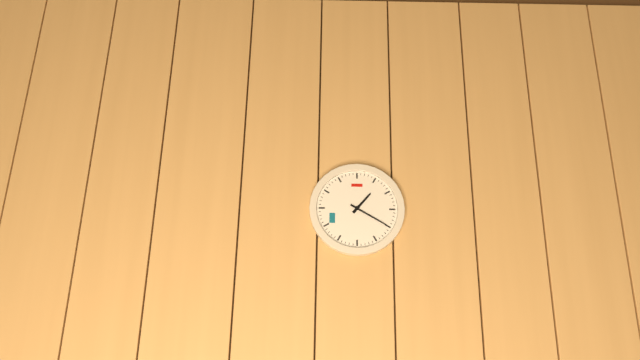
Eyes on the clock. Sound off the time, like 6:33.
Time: 1:20
